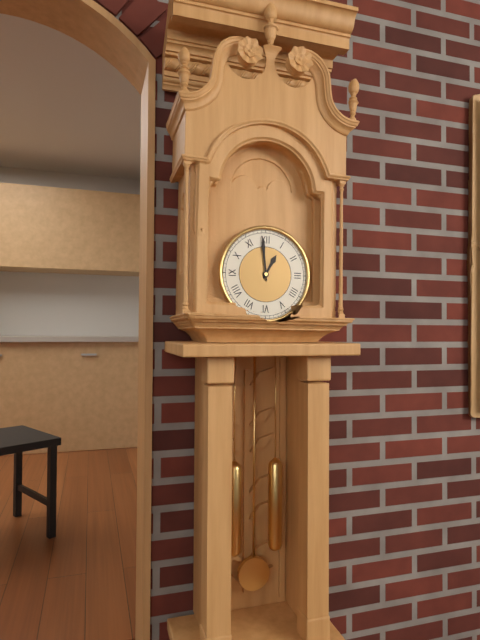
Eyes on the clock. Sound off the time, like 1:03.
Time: 12:59
